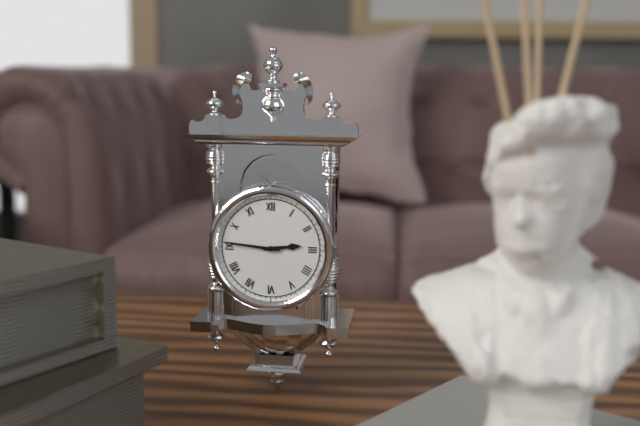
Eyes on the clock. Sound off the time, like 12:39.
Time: 2:46
